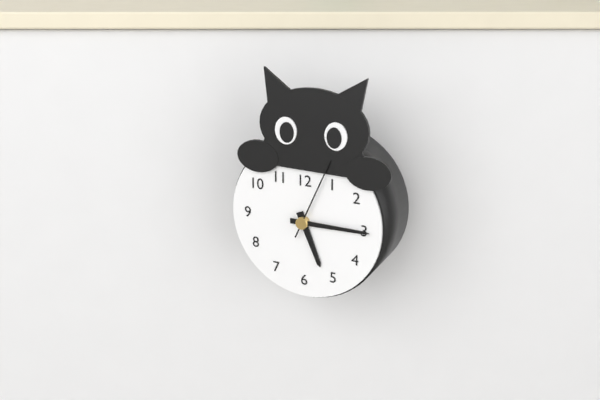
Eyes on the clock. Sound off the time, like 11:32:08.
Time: 5:15:04
